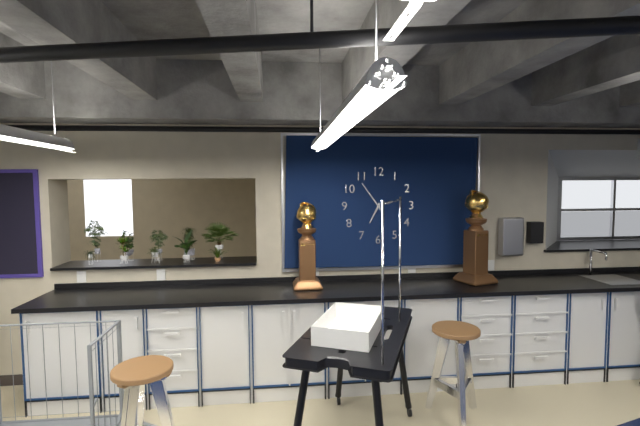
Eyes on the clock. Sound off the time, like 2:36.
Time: 6:54
